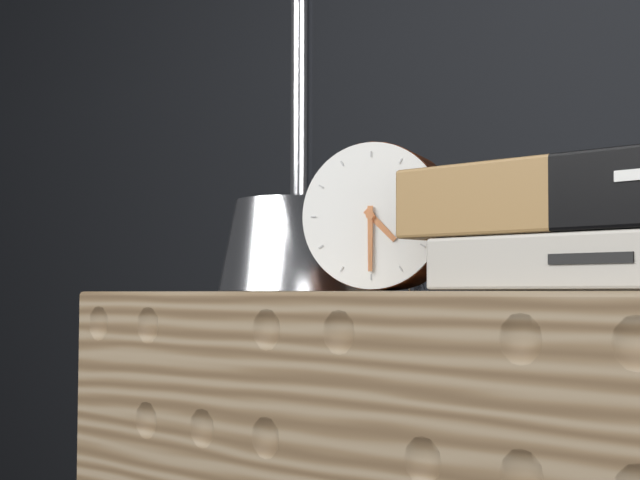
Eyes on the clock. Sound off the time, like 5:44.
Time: 4:30
